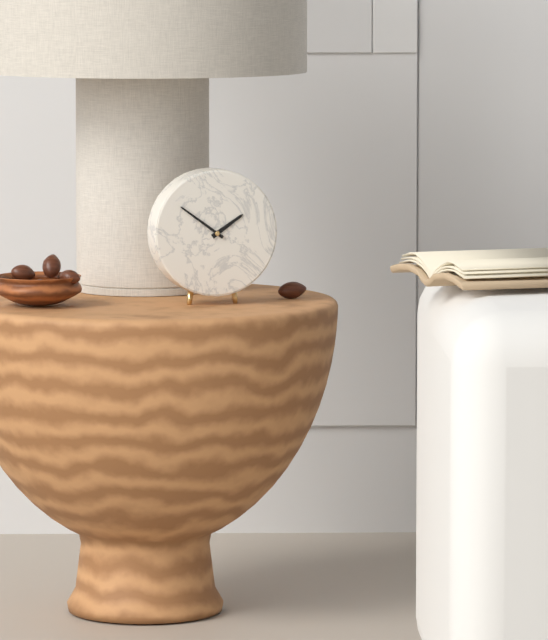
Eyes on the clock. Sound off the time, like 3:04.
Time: 1:51
